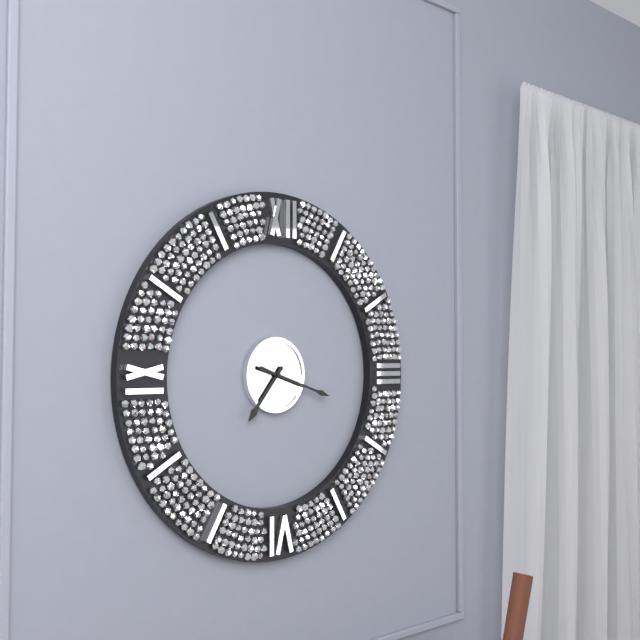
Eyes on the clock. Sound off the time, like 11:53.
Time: 7:18
